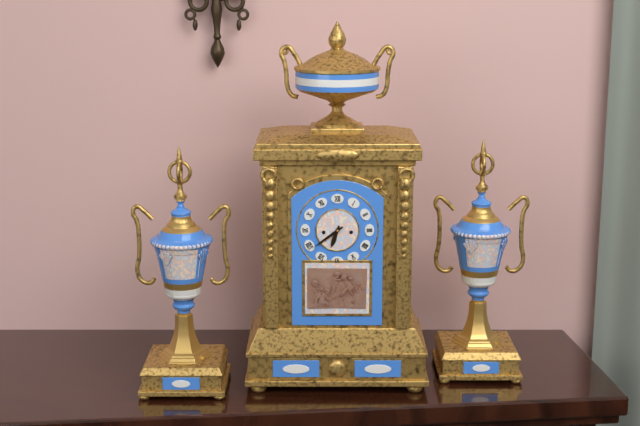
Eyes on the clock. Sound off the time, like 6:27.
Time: 6:39
